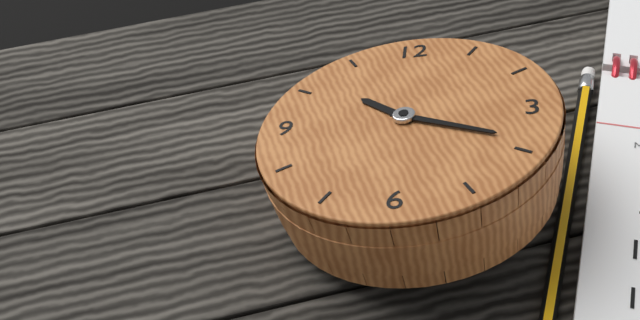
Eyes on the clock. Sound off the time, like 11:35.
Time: 10:19
